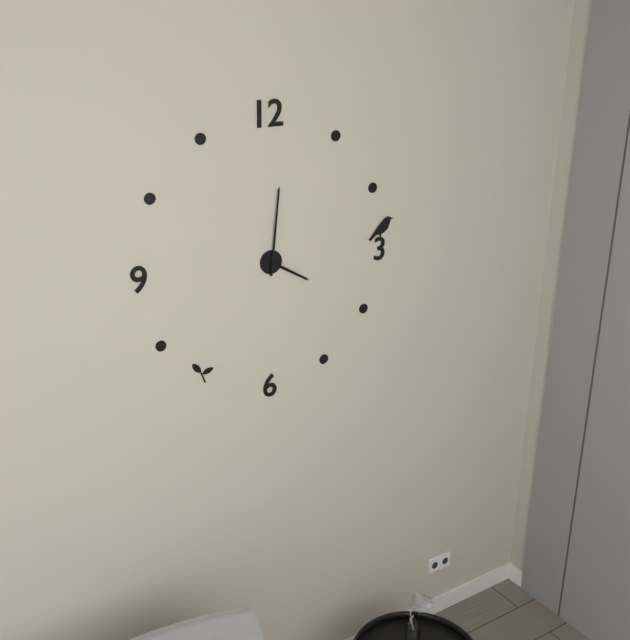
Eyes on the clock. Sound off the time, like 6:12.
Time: 4:01
